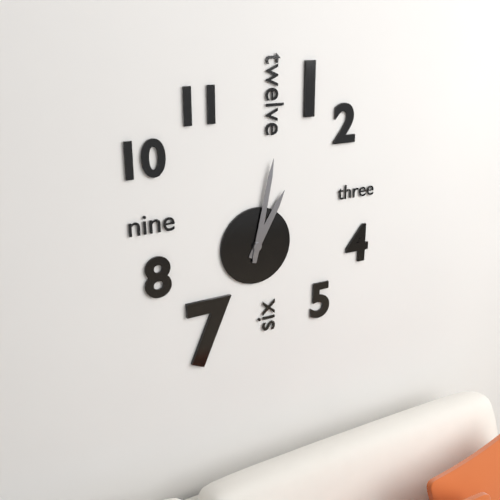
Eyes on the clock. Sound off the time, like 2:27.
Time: 1:02
